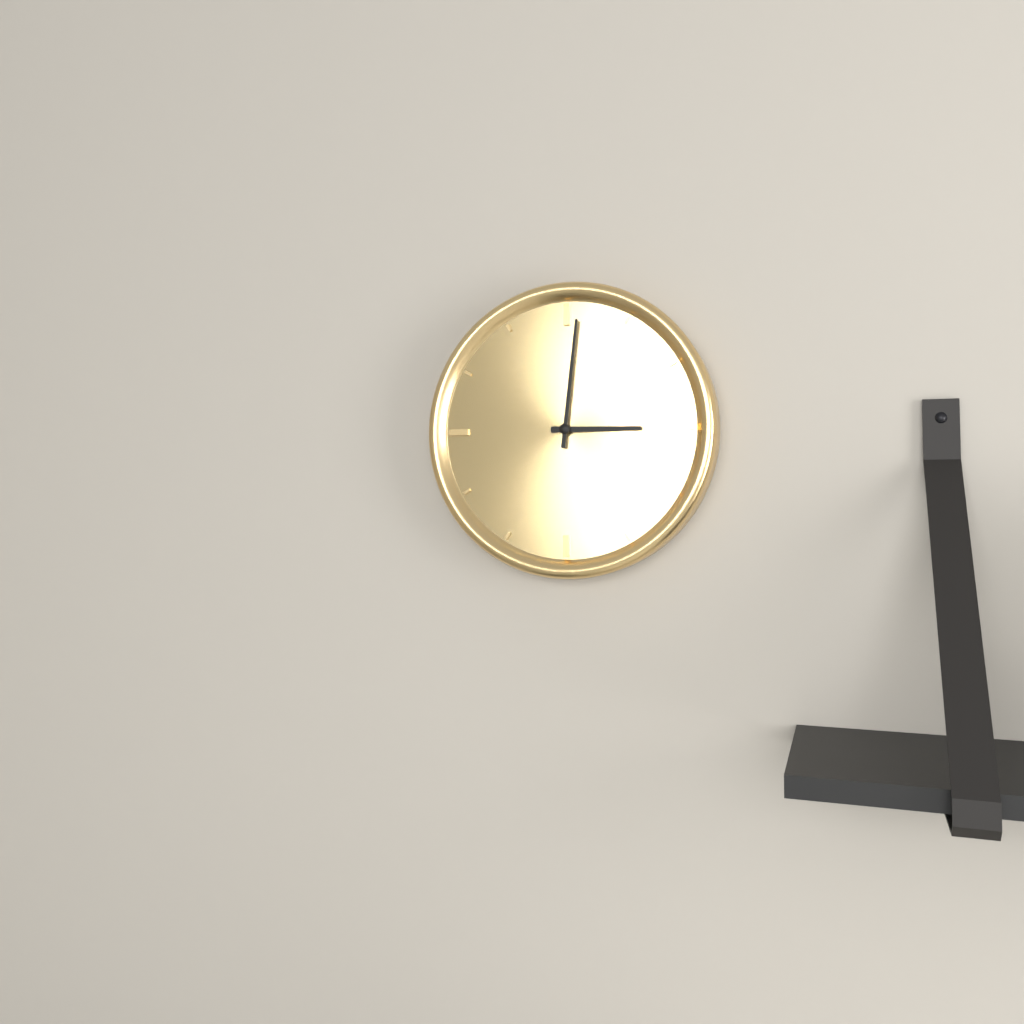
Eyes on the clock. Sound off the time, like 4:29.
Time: 3:01
